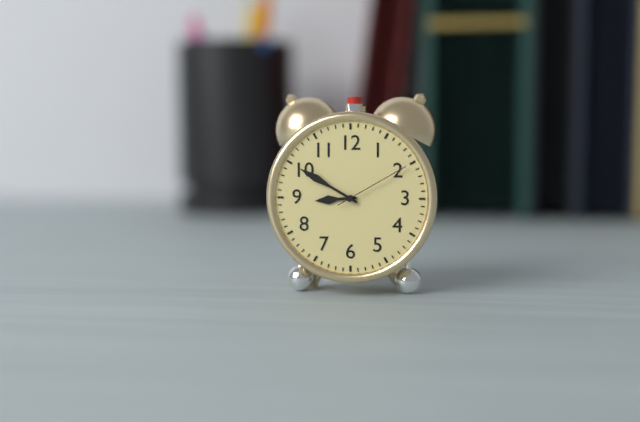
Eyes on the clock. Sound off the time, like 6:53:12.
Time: 8:50:10
